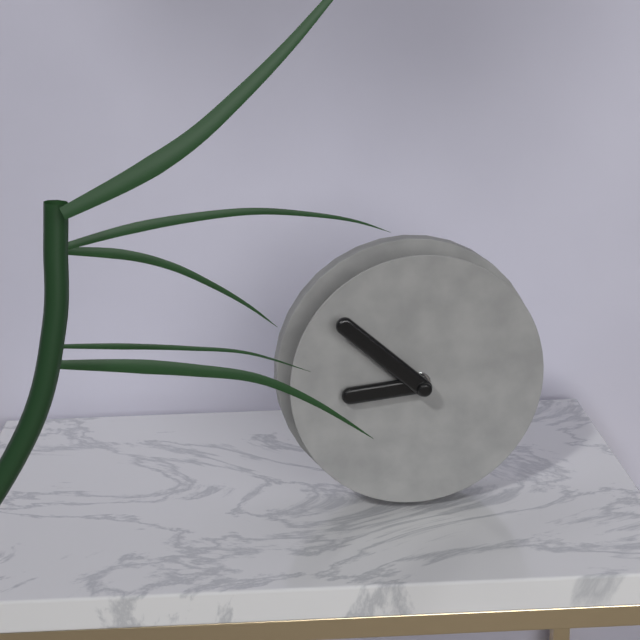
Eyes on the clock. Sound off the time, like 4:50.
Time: 8:52
